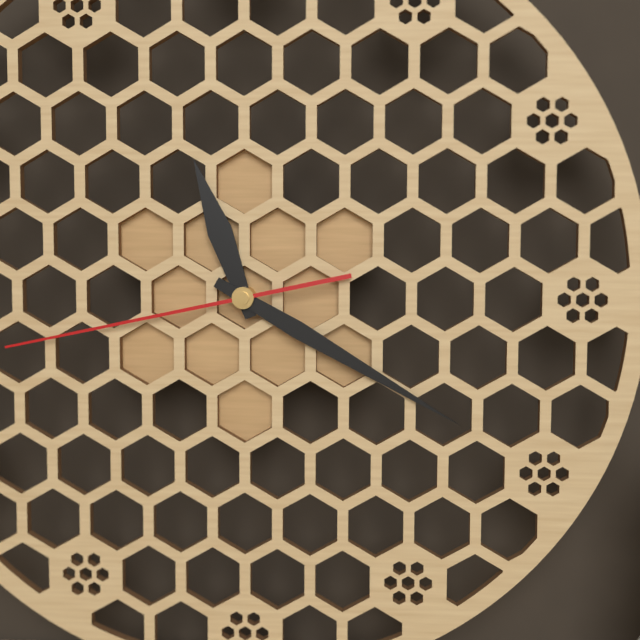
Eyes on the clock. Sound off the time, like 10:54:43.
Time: 11:20:43
